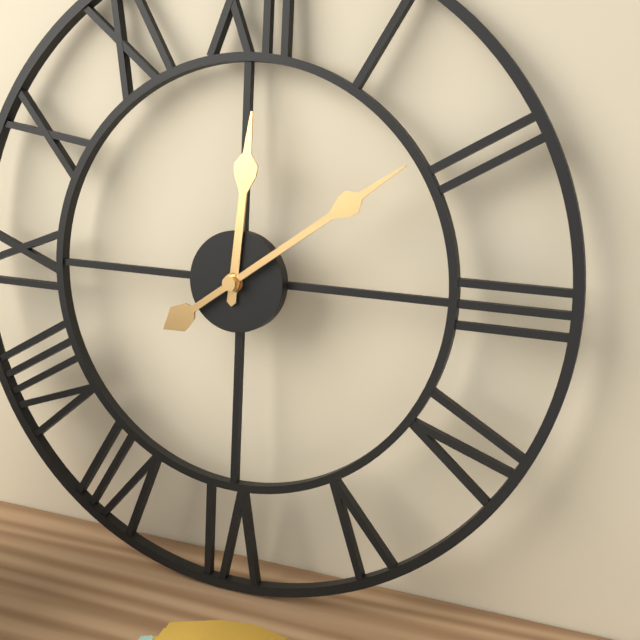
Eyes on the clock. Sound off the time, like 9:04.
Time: 12:09
